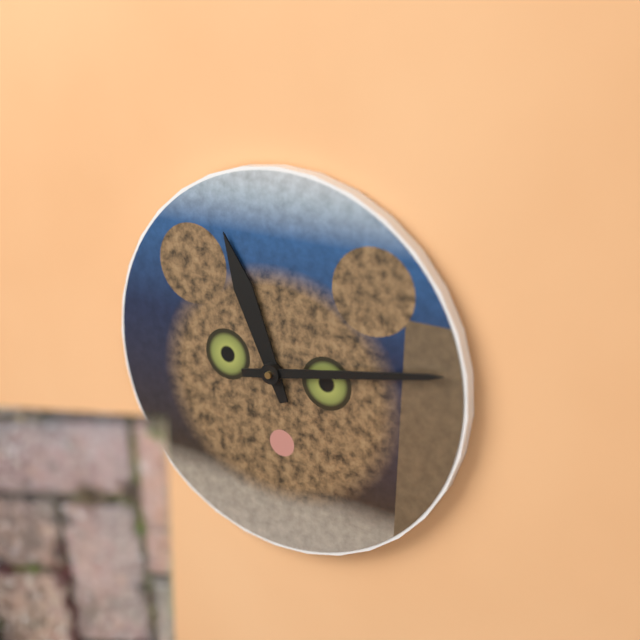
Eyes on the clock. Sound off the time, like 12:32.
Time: 11:13
